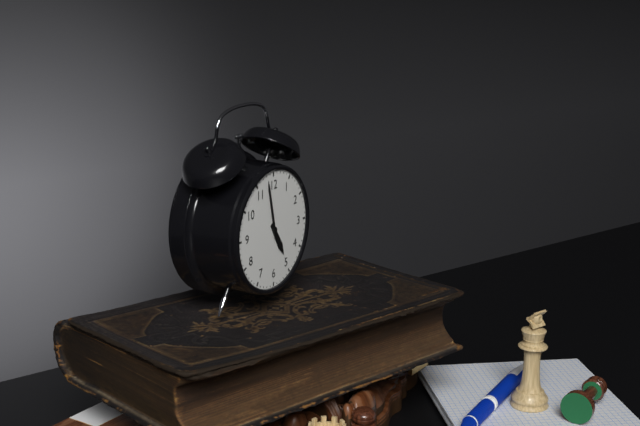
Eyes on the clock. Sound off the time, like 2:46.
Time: 4:58
